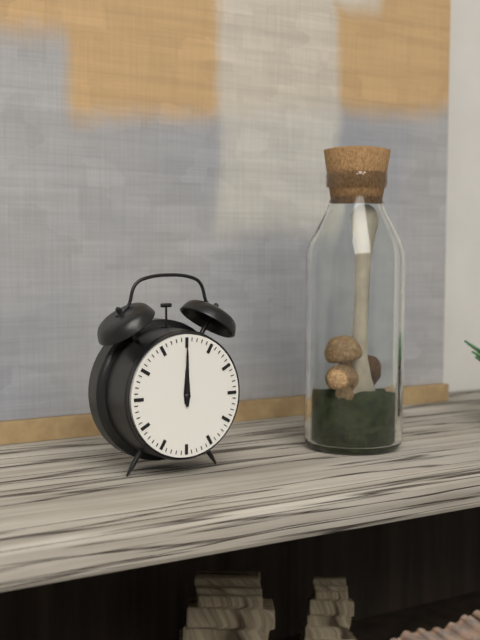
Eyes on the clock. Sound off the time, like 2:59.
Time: 12:00
